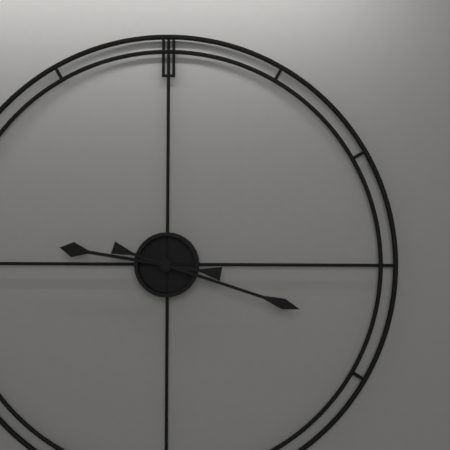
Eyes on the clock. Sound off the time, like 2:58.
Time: 9:18
